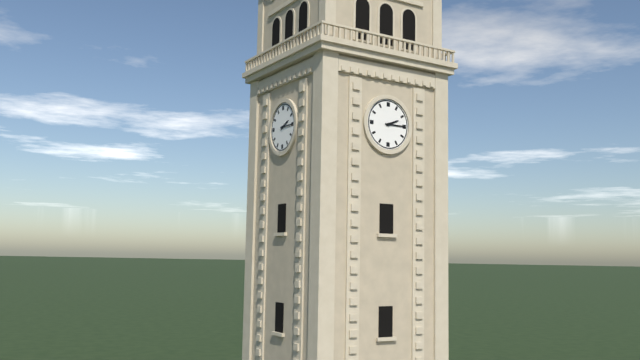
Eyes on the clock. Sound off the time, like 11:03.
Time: 2:15
